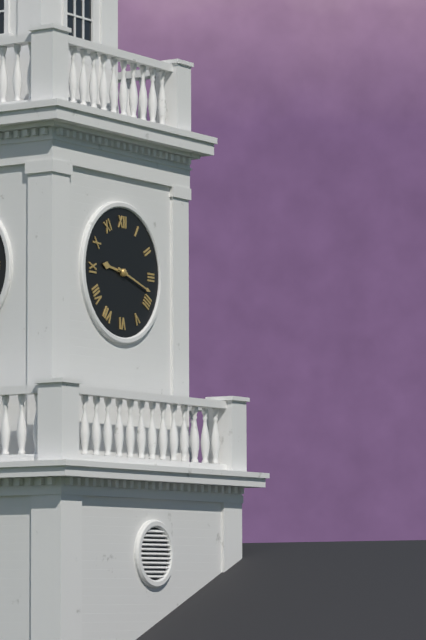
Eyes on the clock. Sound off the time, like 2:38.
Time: 9:18
